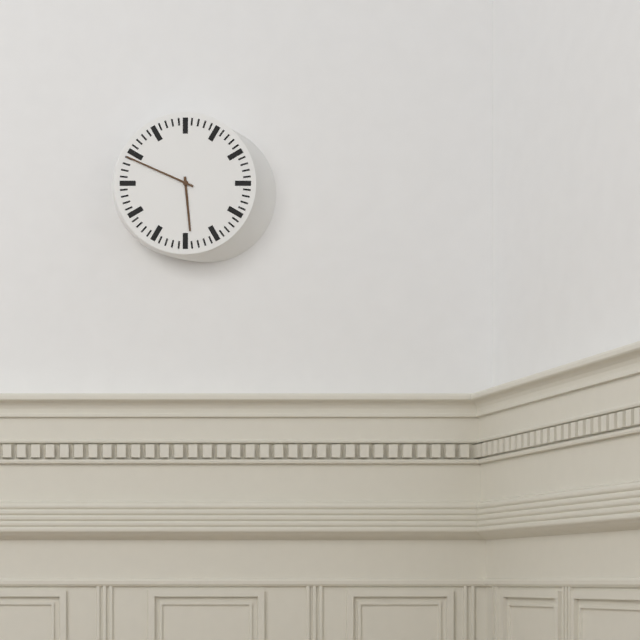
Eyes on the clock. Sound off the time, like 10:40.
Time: 5:49
